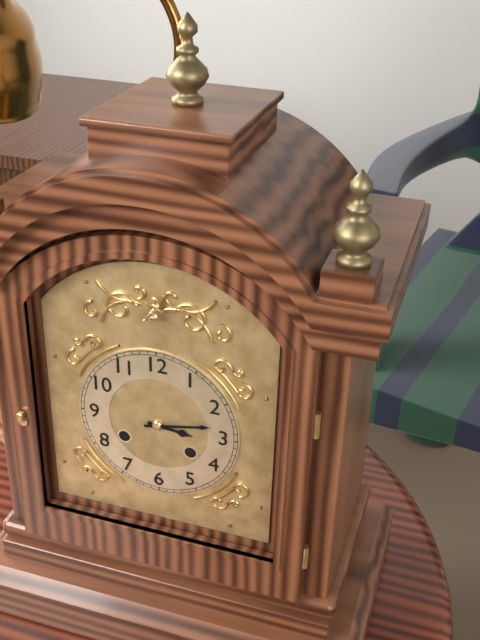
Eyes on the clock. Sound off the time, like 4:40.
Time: 3:13
